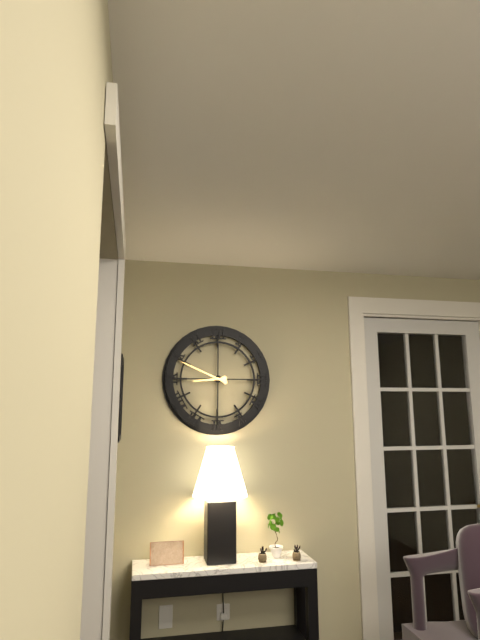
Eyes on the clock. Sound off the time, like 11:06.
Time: 8:49
